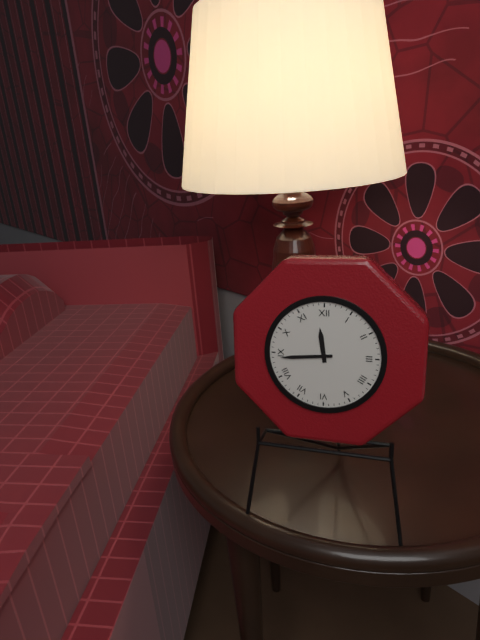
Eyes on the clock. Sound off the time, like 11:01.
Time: 11:44
